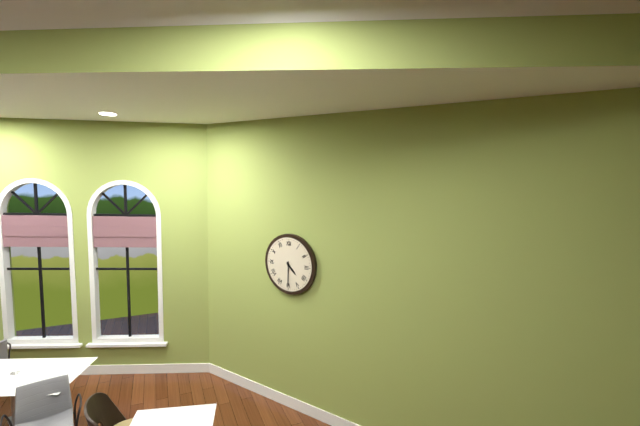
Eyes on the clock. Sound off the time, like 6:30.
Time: 4:30
